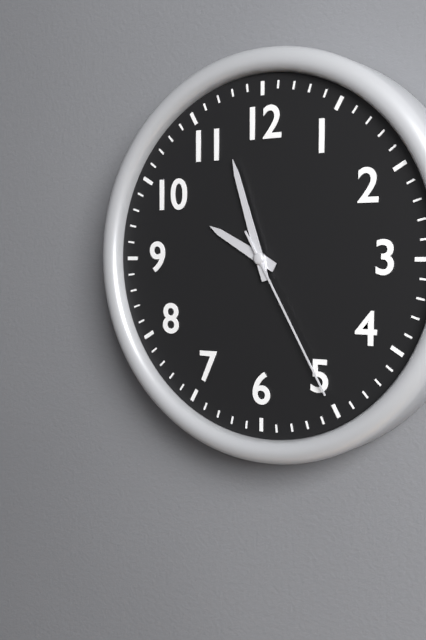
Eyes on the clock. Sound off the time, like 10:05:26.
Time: 9:57:25
